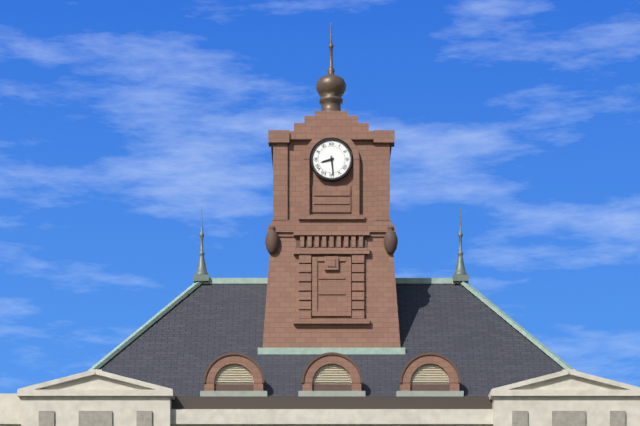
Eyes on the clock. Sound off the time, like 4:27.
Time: 8:29
